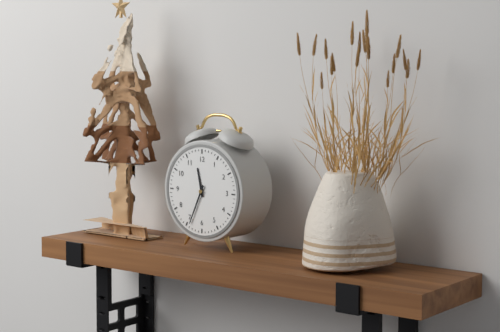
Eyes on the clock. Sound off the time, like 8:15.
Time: 11:34
